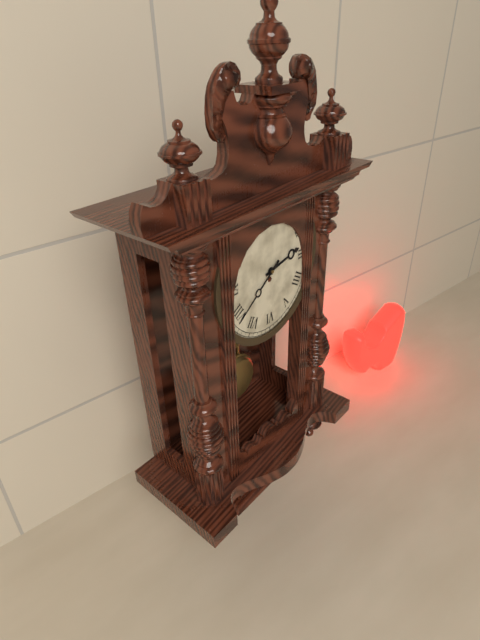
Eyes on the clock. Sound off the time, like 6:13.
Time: 2:39
